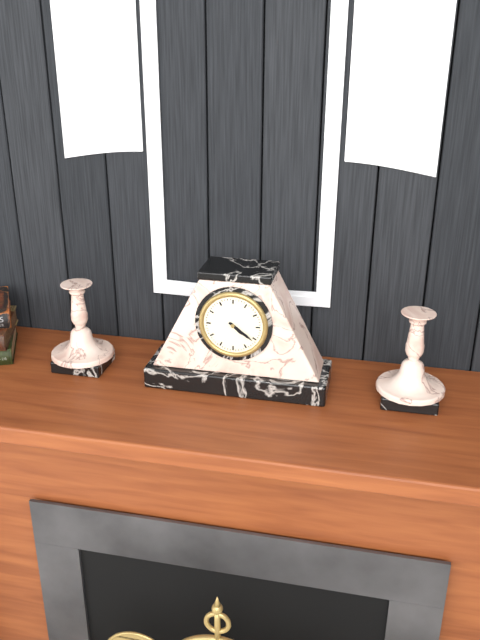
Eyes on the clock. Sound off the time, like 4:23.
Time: 4:21
